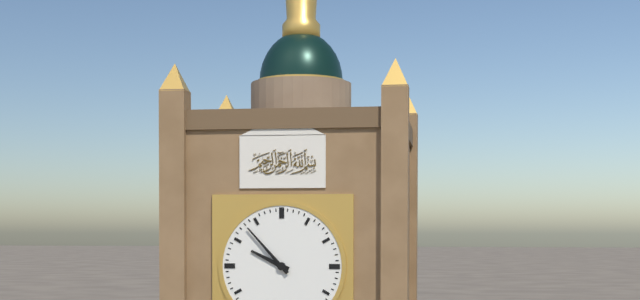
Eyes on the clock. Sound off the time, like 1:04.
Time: 9:53
